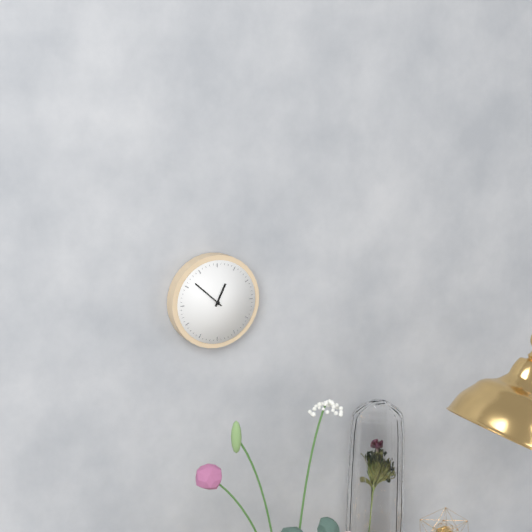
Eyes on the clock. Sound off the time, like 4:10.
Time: 12:52
